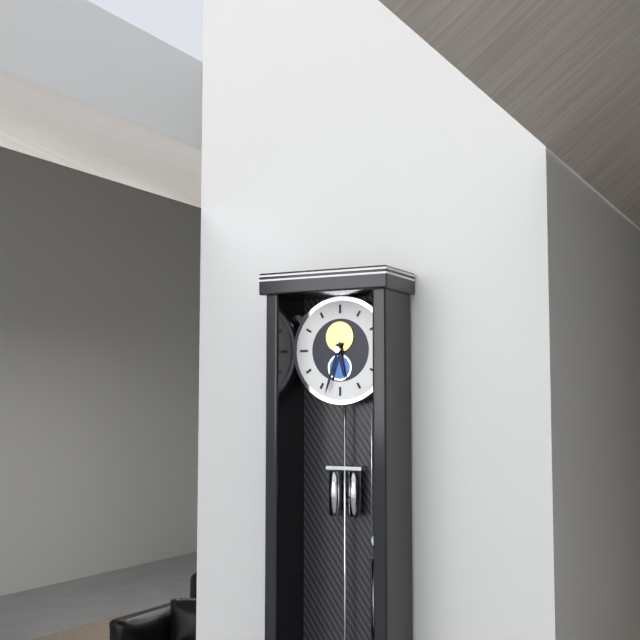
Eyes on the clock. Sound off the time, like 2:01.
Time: 5:33
